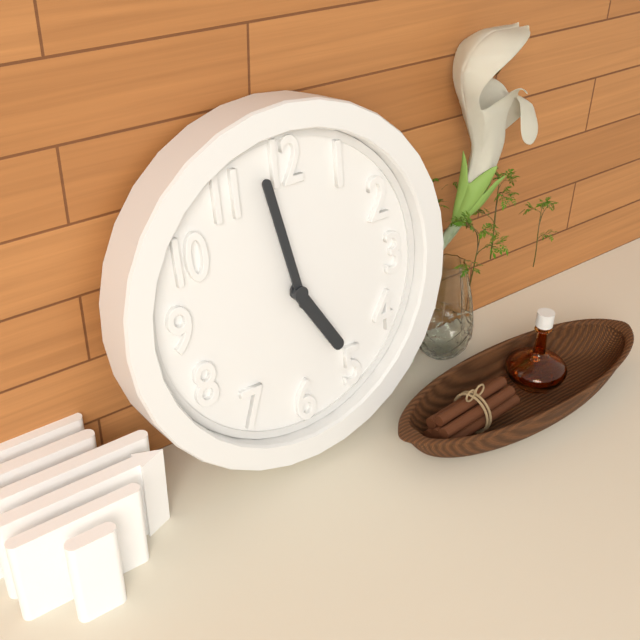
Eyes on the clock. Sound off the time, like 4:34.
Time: 4:58
